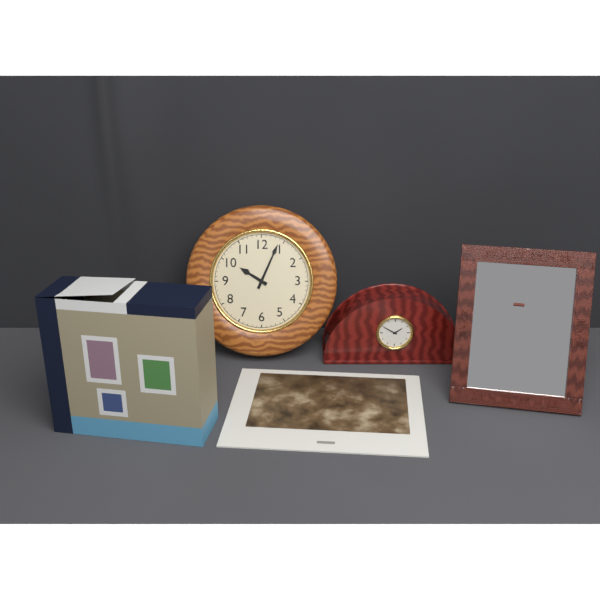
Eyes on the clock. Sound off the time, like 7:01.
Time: 10:04
